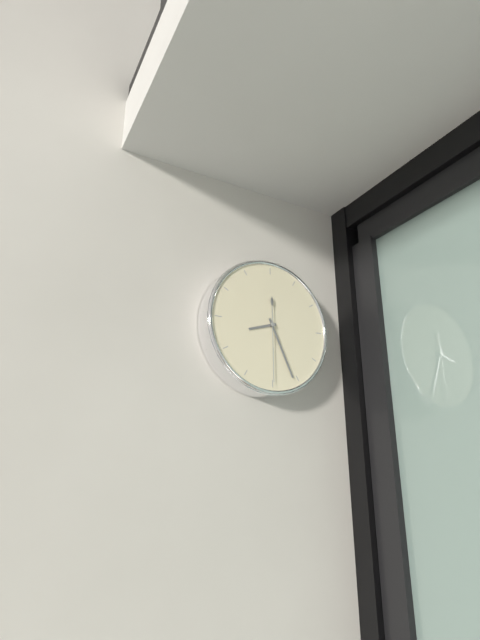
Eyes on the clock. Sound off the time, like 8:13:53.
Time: 8:26:30
